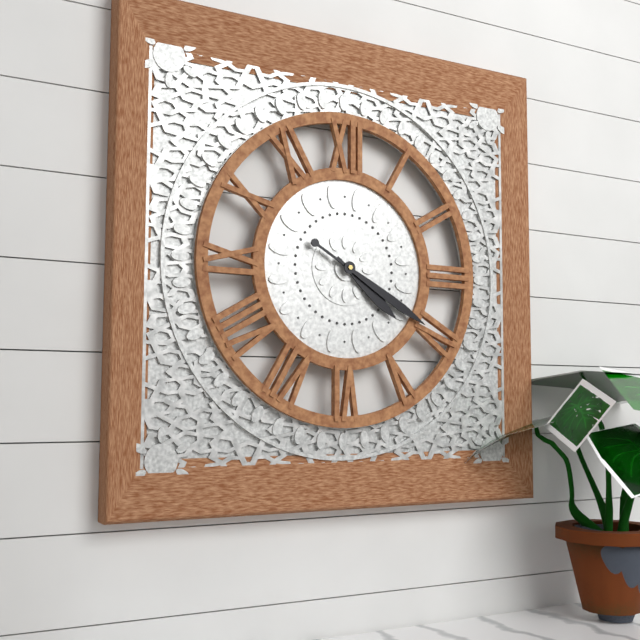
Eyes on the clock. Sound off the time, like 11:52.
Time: 4:20
